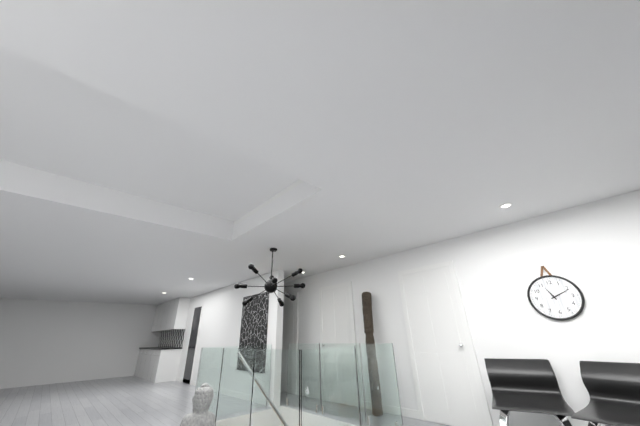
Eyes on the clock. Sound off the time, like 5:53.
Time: 11:11
